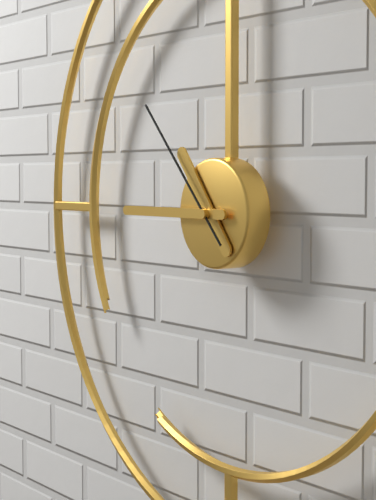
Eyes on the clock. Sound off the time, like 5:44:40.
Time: 10:45:53
